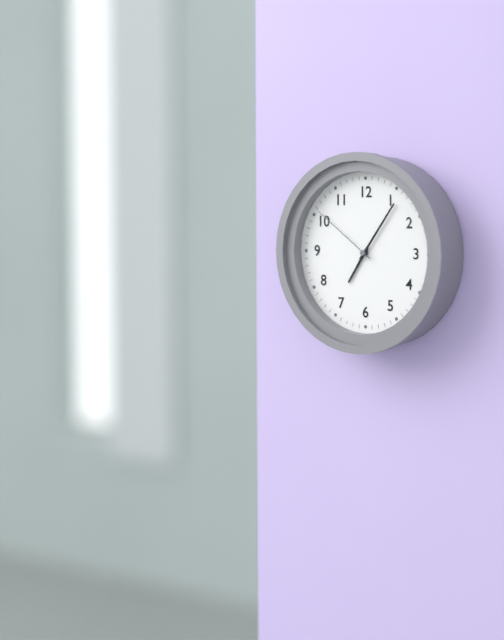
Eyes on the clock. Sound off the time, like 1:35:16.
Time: 7:06:51
